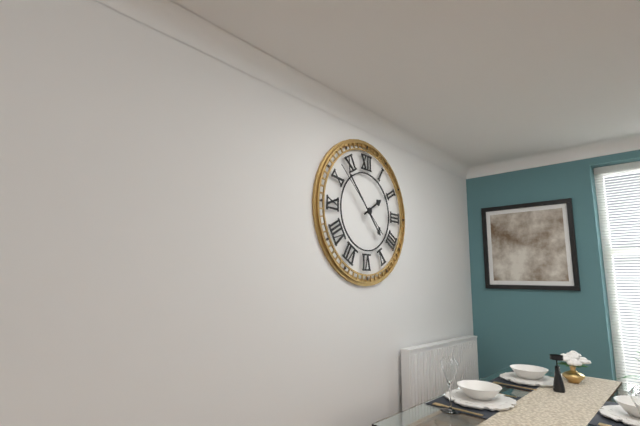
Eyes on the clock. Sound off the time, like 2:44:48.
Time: 1:53:52
